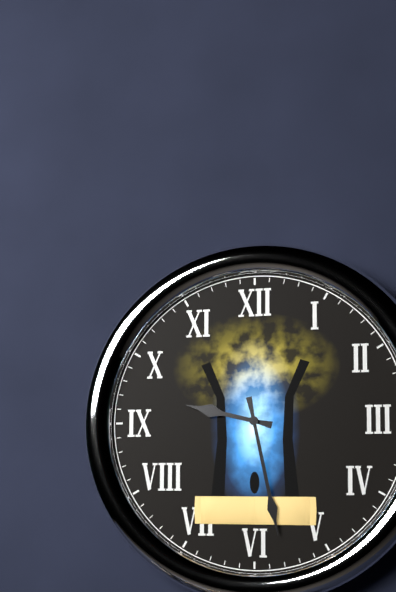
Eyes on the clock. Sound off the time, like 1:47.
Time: 9:28
